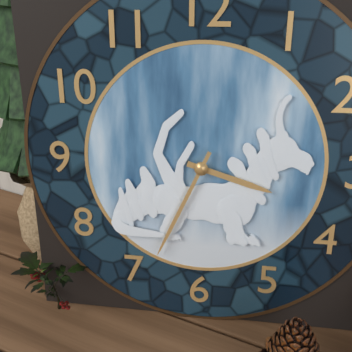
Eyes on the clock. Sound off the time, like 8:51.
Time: 3:34
